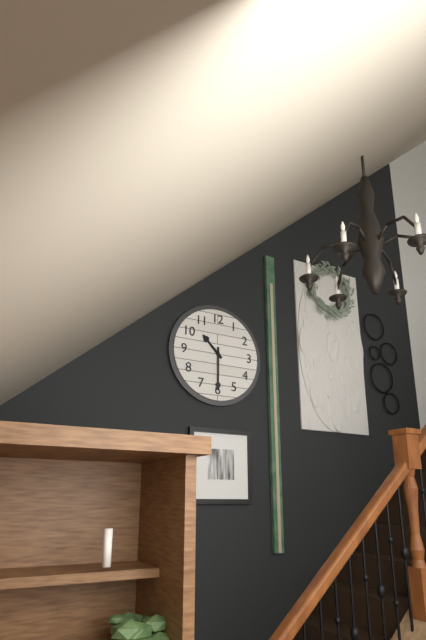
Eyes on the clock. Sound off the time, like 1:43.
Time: 10:30
